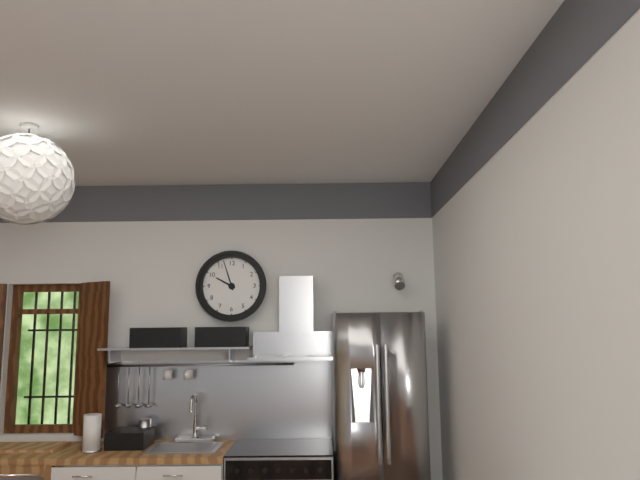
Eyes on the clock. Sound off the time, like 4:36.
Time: 9:57
